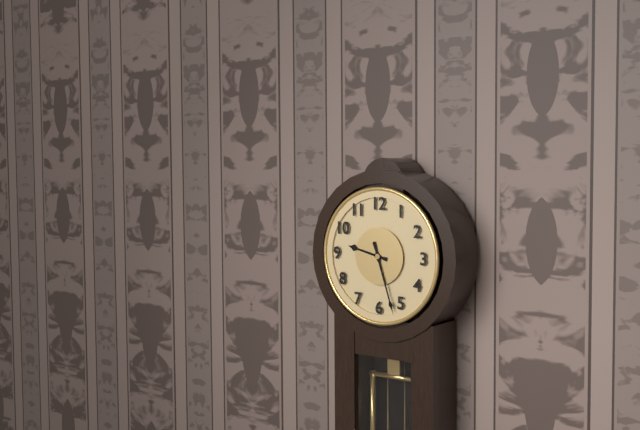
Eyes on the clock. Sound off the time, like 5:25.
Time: 9:27
